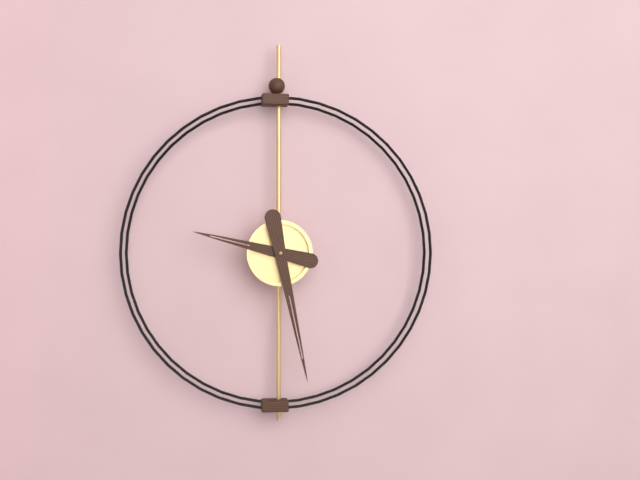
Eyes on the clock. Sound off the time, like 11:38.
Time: 9:28
